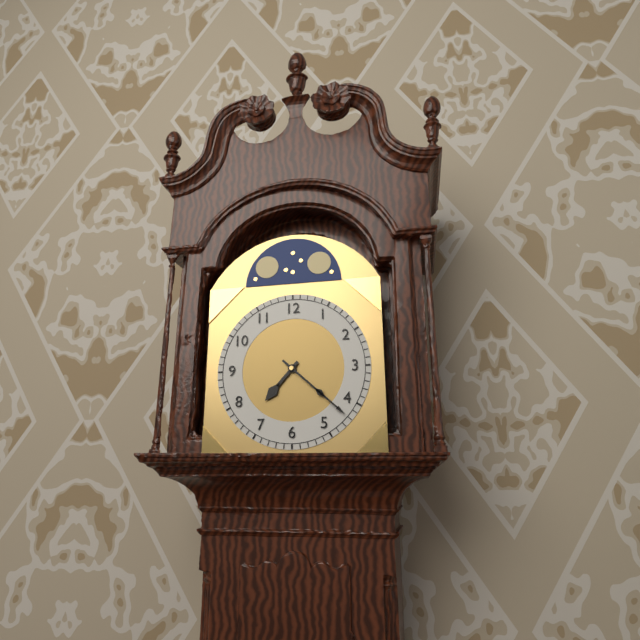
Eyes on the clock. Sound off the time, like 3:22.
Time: 7:22
